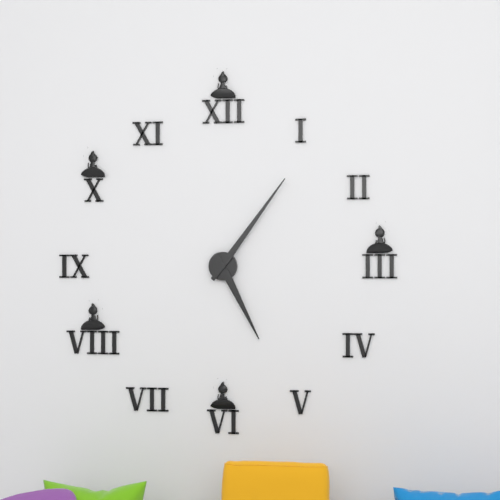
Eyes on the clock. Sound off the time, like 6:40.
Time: 5:06
